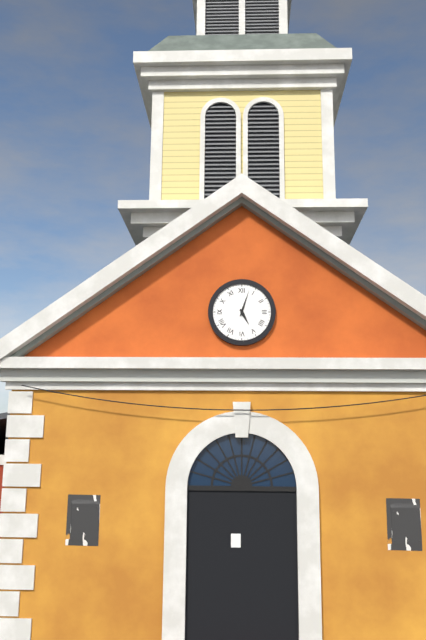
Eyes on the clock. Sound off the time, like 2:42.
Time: 5:03
